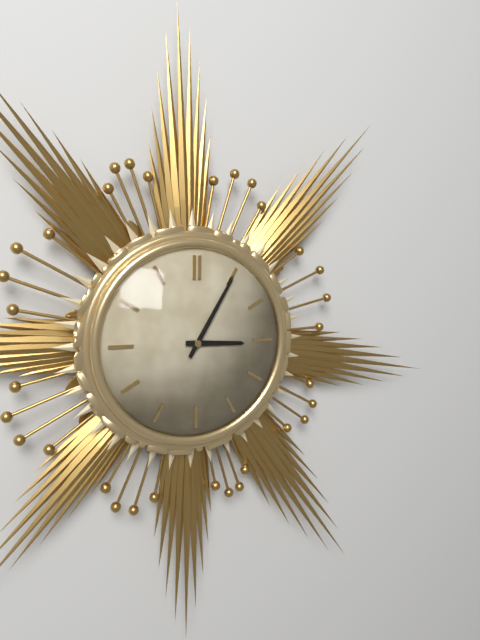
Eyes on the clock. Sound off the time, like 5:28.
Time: 3:05
